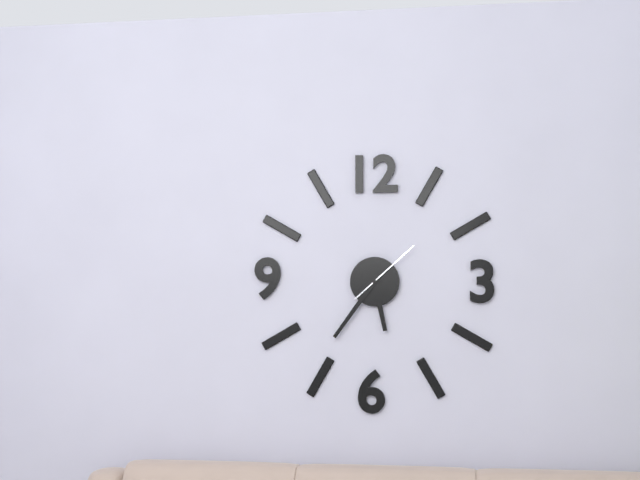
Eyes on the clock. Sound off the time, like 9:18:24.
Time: 5:36:08
